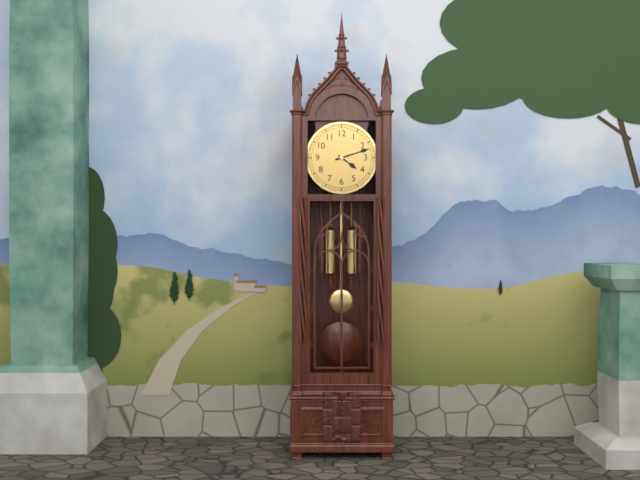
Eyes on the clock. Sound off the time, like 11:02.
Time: 4:12
